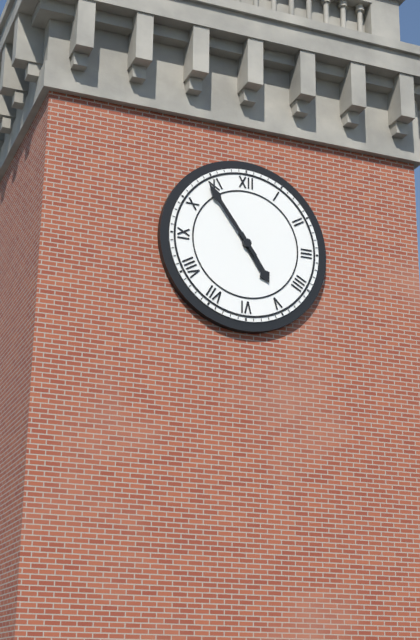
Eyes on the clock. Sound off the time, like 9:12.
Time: 4:54
